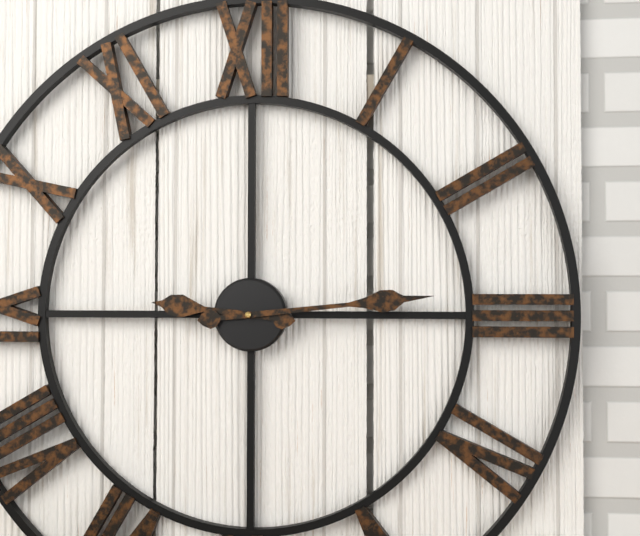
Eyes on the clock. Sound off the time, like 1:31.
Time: 9:14
